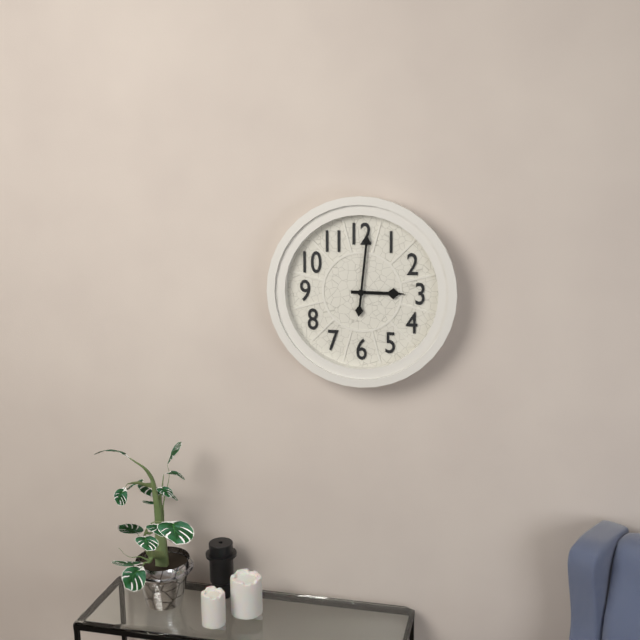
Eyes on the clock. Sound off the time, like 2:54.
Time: 3:01
